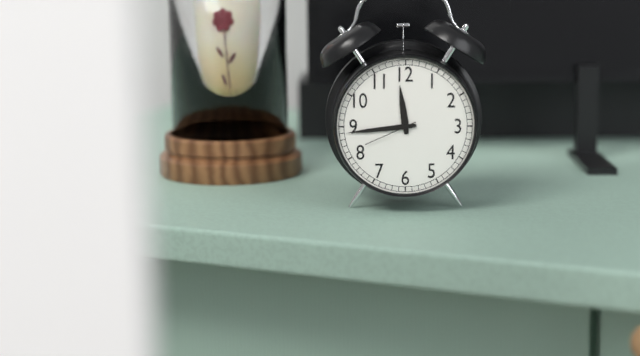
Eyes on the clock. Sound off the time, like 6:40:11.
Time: 11:44:41
